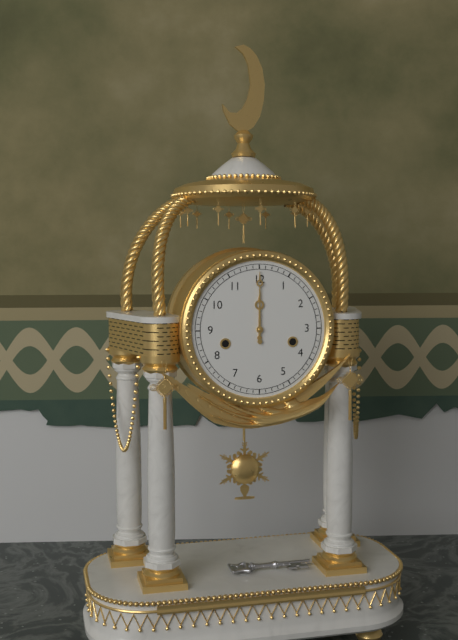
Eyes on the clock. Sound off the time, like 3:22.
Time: 12:00
